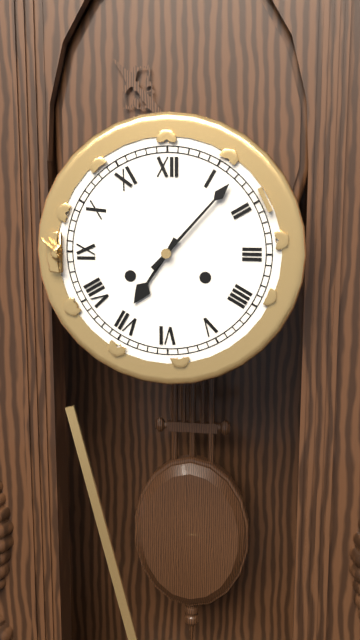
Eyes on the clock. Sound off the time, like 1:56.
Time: 7:07
